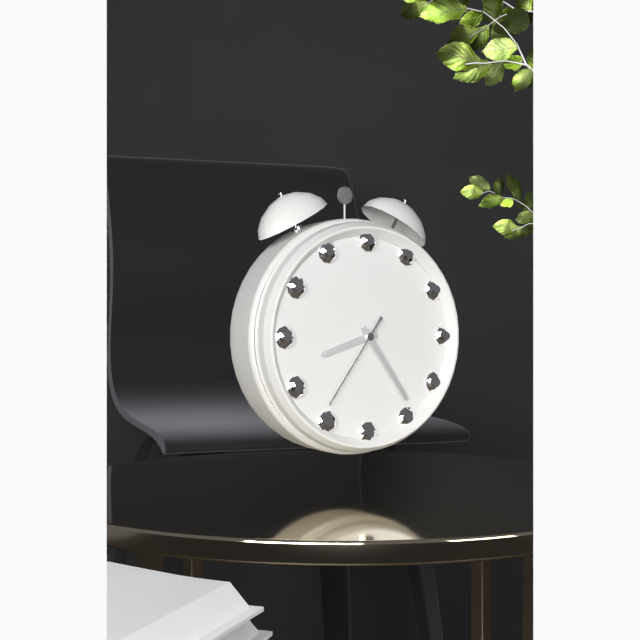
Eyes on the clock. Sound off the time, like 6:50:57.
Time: 8:24:36
